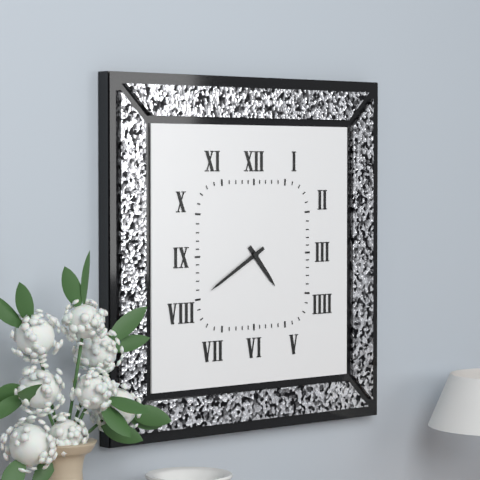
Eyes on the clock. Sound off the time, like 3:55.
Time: 4:40
